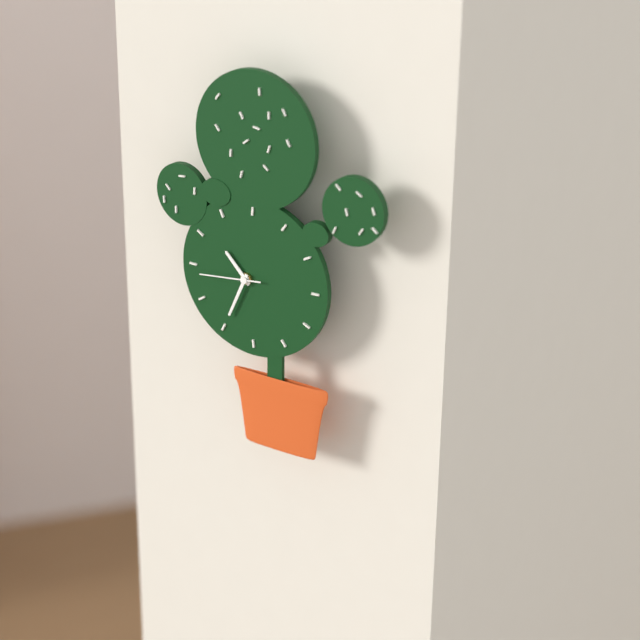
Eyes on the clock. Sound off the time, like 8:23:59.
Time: 10:34:44
